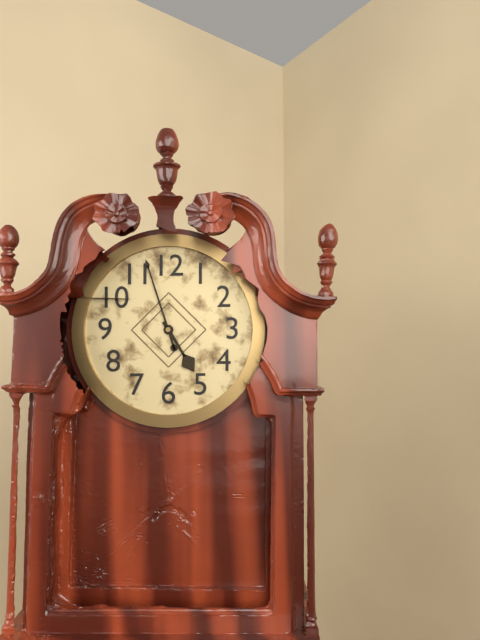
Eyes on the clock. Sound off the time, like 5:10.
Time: 4:57
